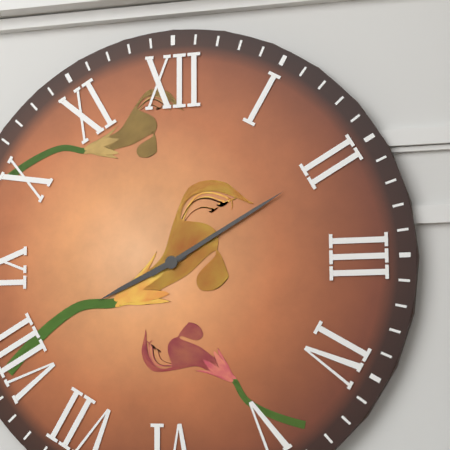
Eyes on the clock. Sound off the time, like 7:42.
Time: 8:10
